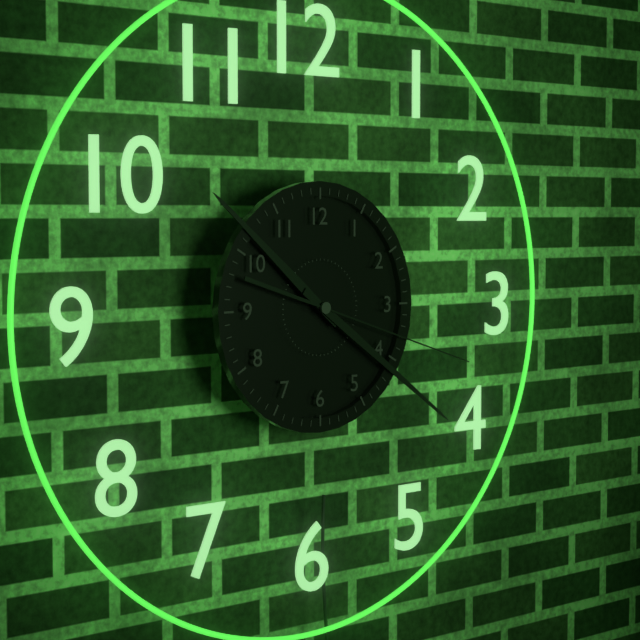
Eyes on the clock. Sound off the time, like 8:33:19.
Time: 10:21:18
